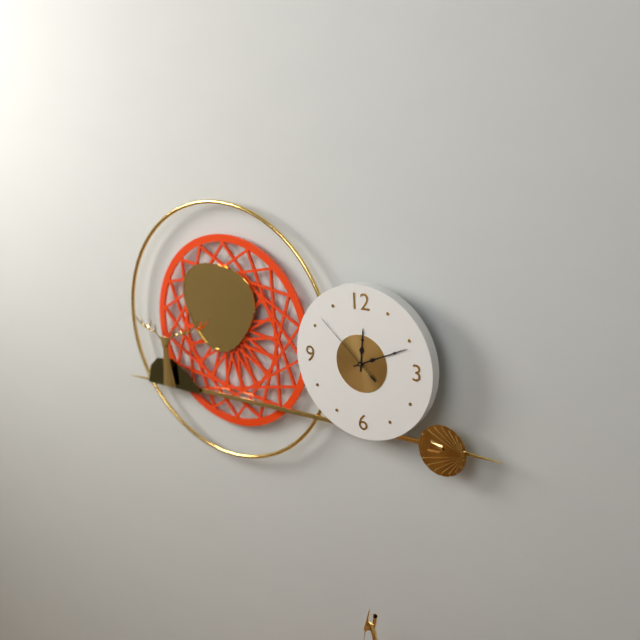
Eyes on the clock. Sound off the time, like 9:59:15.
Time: 12:11:52
